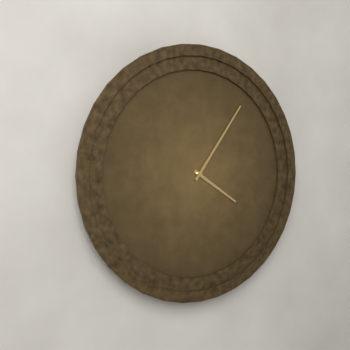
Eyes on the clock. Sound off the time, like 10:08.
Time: 4:06
